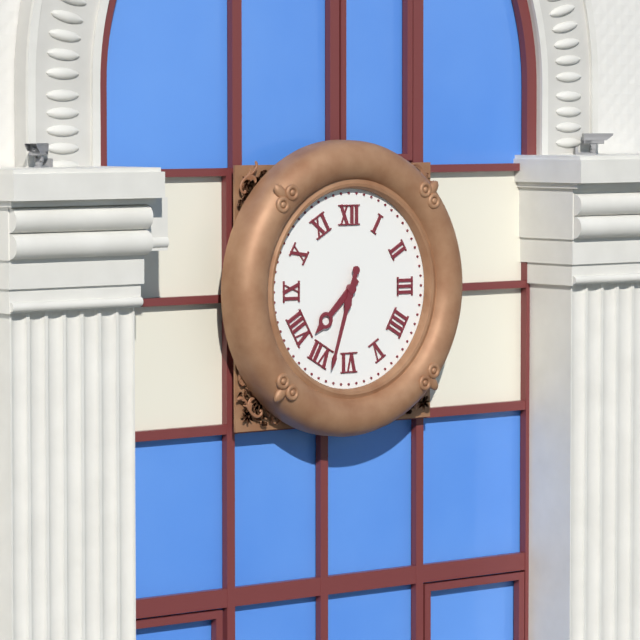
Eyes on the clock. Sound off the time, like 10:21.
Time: 7:33
